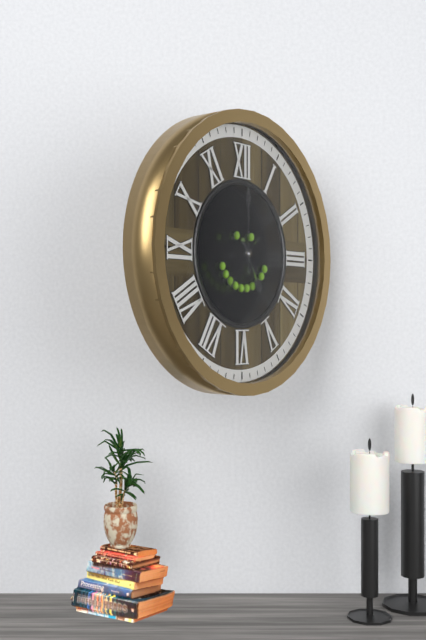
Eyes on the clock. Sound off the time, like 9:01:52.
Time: 5:00:37
